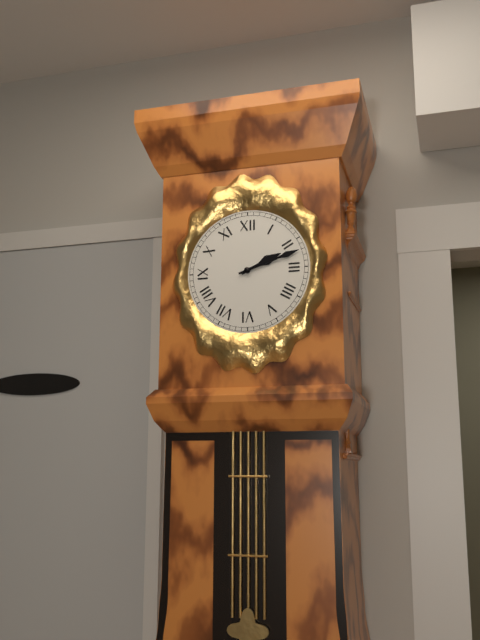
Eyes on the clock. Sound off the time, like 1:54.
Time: 2:12
